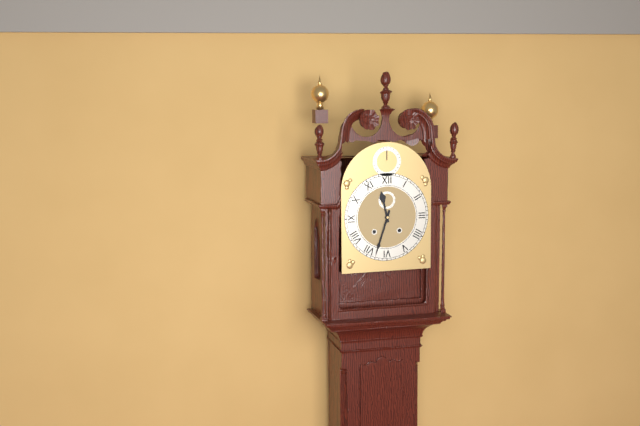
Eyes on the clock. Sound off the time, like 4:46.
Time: 11:33
